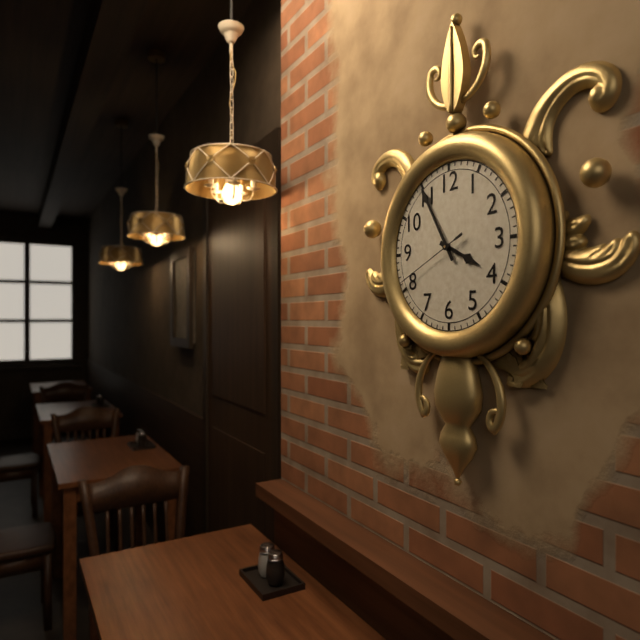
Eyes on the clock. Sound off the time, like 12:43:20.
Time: 3:55:41
